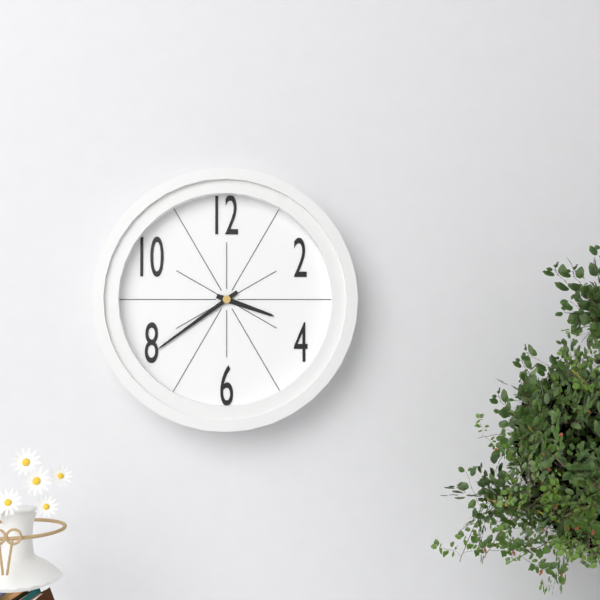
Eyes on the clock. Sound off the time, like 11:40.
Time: 3:39
